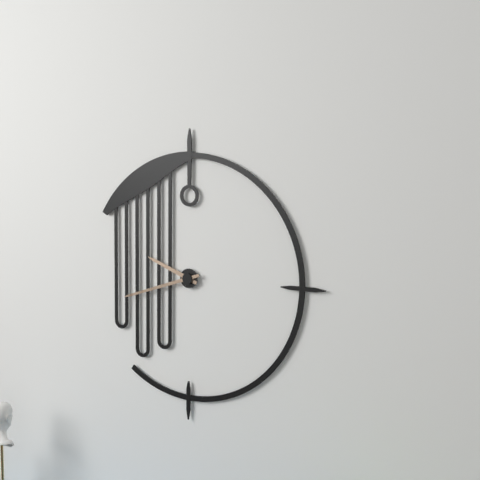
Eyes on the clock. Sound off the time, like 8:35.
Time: 9:42
